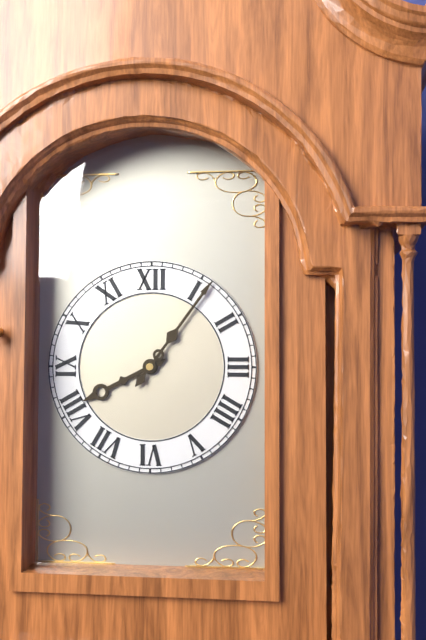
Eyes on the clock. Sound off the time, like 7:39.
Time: 8:06
